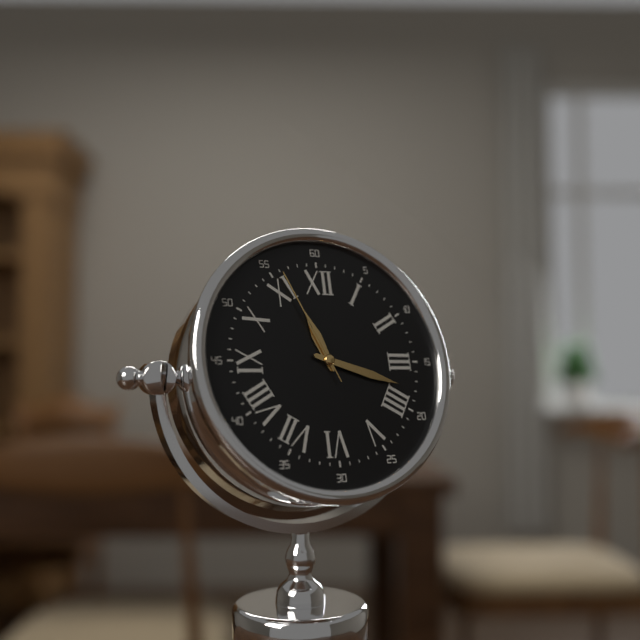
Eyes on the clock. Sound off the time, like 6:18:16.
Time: 11:18:56
